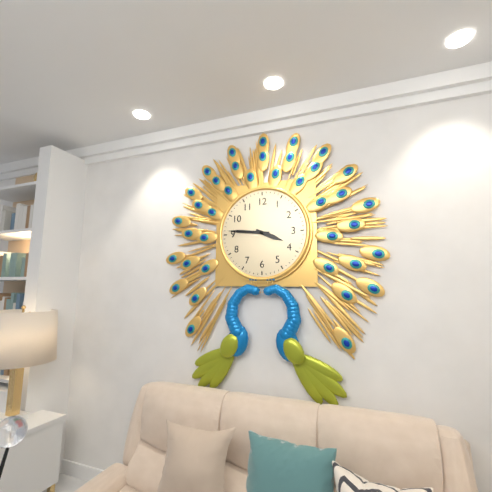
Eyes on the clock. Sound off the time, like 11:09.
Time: 3:46
